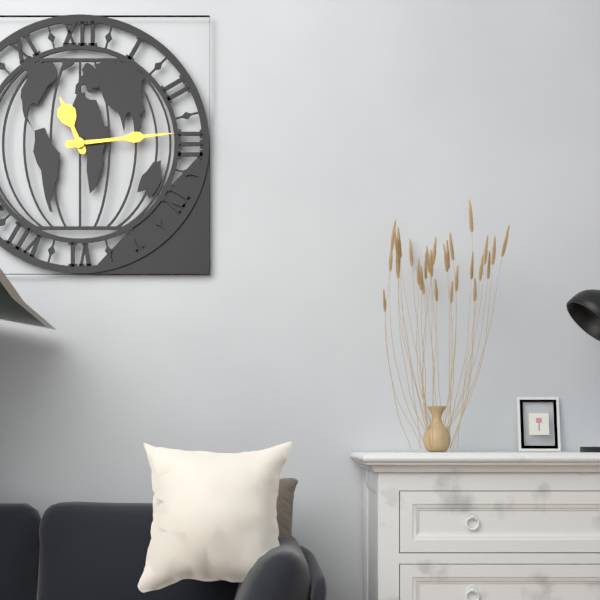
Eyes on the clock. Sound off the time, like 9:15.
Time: 11:14
